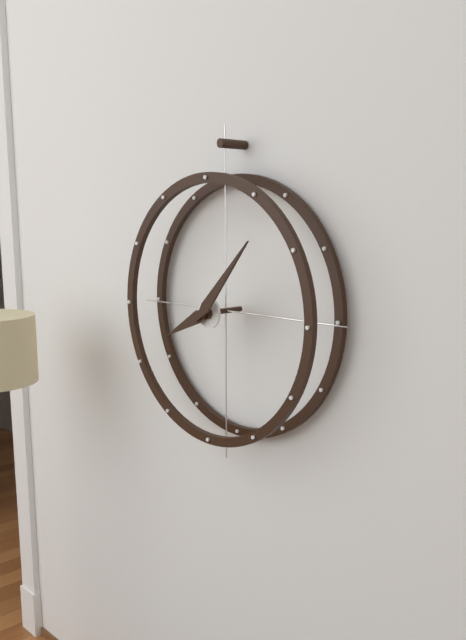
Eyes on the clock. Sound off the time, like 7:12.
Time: 8:07
